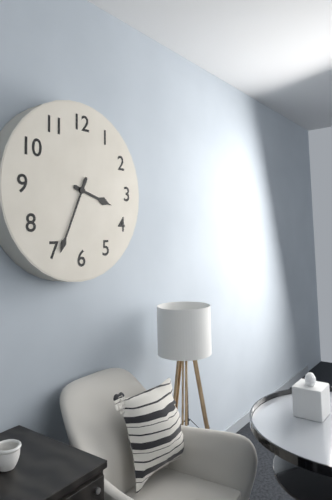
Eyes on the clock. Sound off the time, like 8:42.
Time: 3:34
